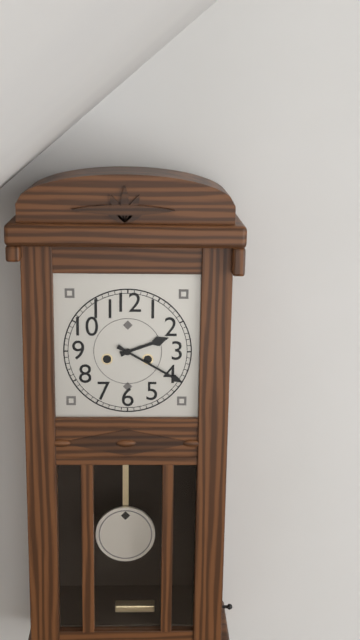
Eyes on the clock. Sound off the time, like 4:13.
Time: 2:20
